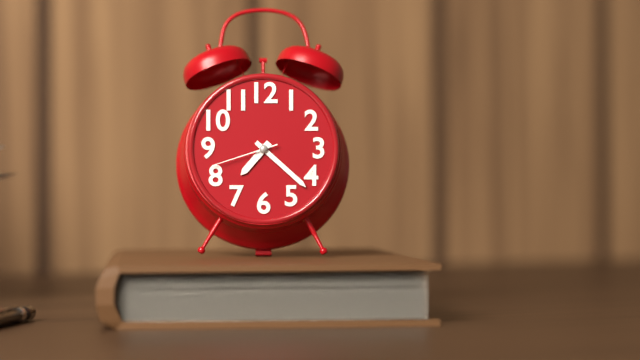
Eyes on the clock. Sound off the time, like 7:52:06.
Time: 7:22:42
